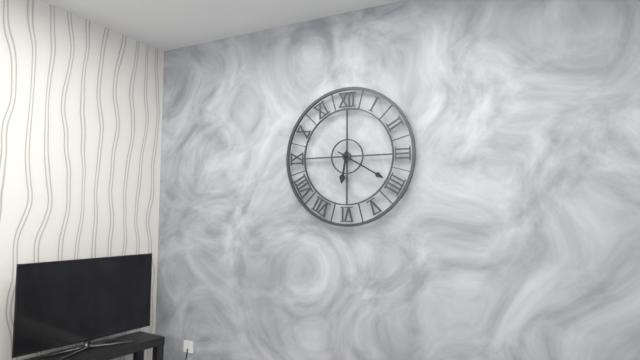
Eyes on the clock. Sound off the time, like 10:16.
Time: 6:20
